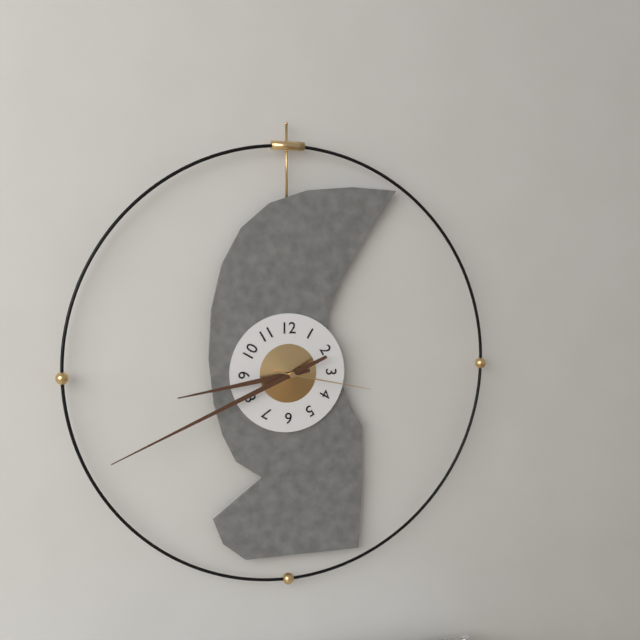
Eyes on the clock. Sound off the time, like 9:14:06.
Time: 8:41:17
